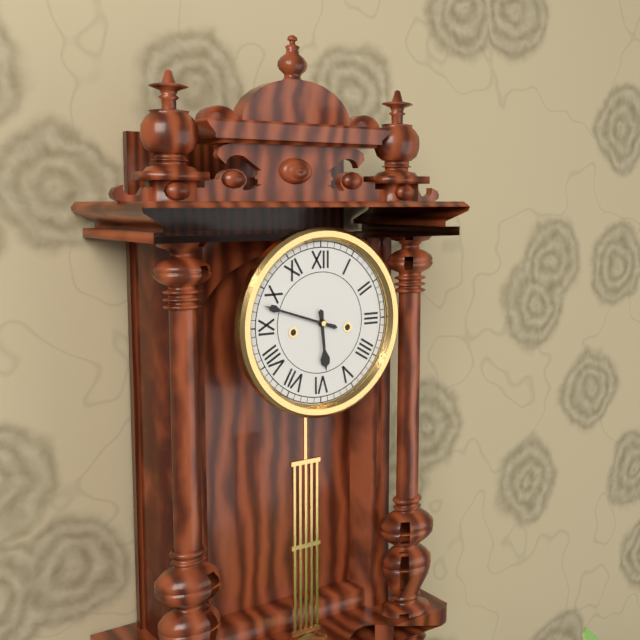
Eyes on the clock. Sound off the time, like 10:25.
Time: 5:48
